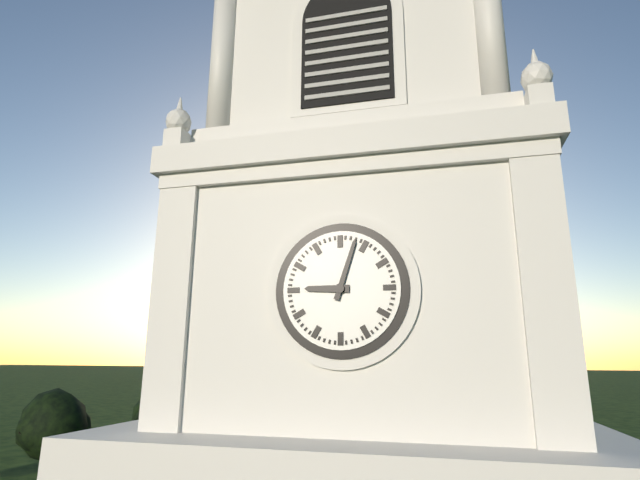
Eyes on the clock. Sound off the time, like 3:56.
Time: 9:03
